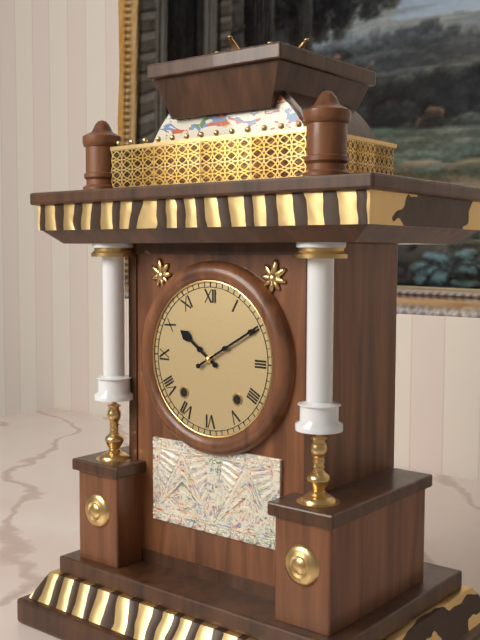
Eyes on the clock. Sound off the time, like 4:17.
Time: 10:10
